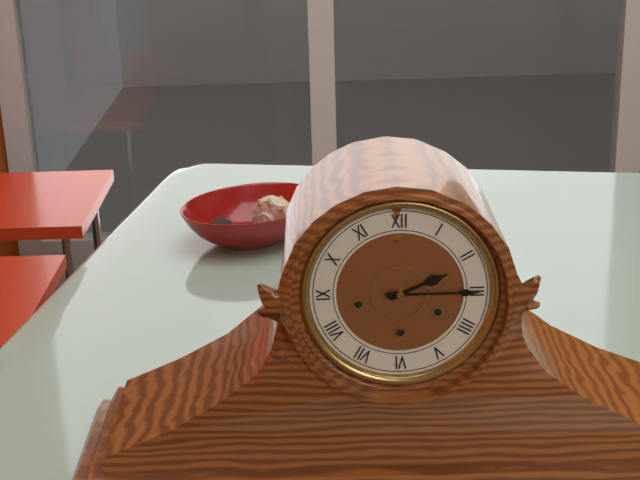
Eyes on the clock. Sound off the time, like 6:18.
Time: 2:15
